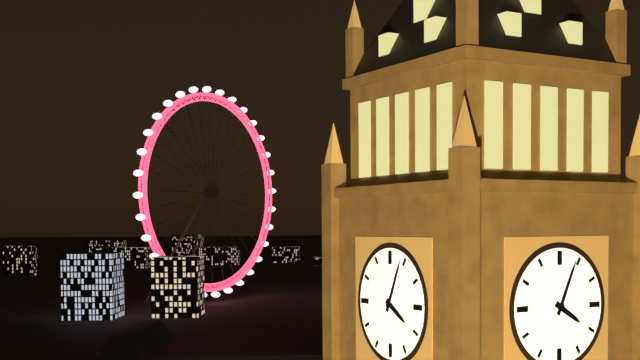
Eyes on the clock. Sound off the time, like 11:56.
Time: 4:04
